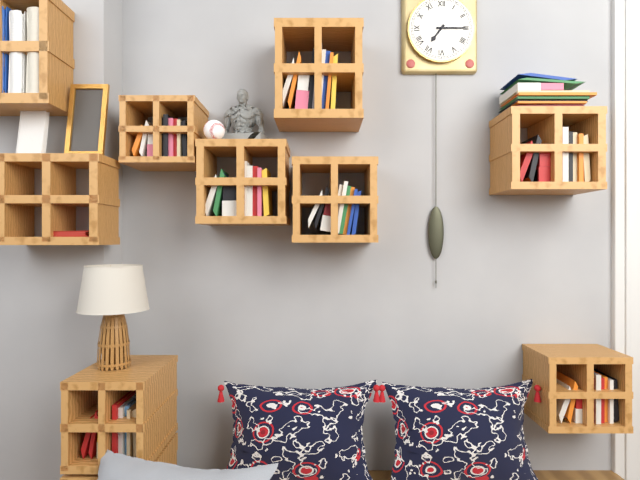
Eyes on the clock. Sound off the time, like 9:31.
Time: 7:15
